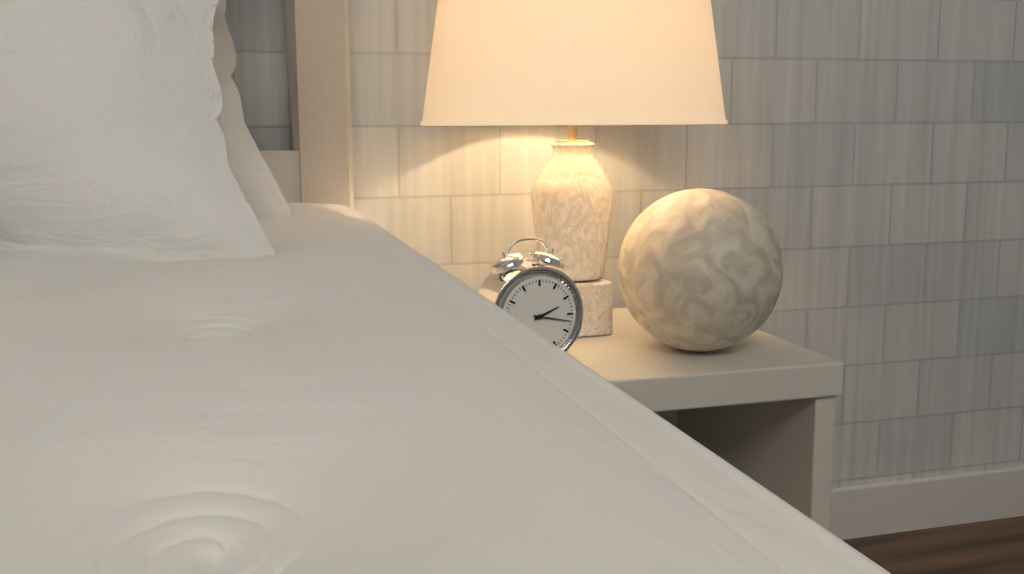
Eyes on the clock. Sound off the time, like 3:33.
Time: 2:17
